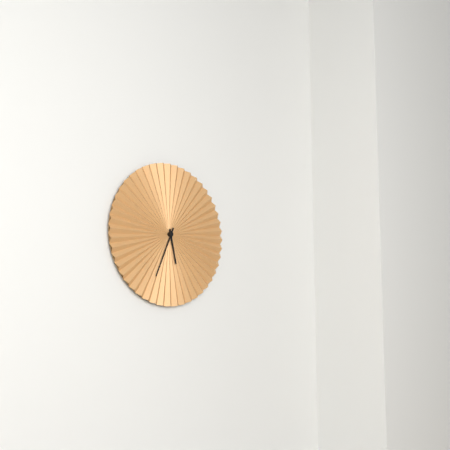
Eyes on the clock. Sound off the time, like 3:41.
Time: 5:34
